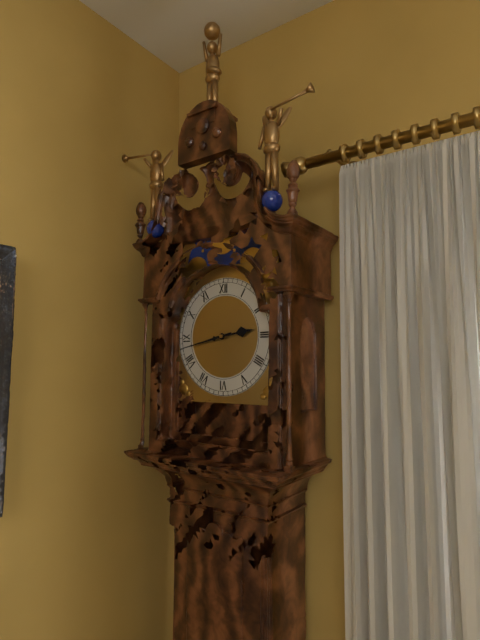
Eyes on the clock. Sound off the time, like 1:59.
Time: 2:43
